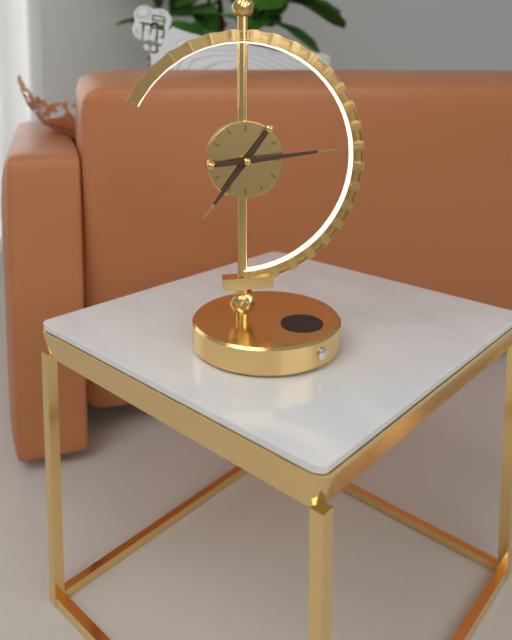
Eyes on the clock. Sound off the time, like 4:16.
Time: 7:14
